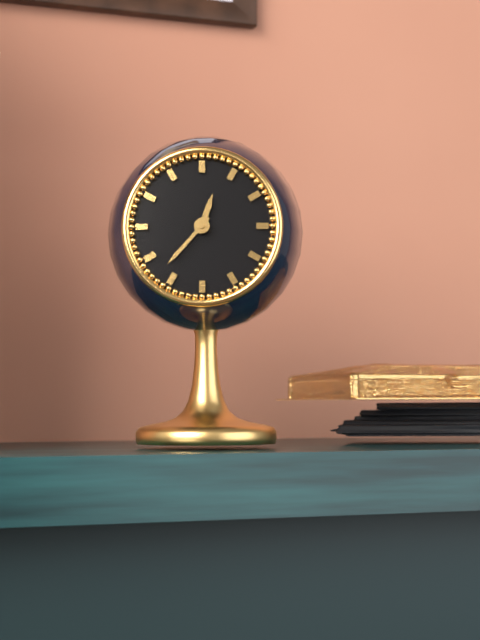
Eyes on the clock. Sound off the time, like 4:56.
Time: 12:37
